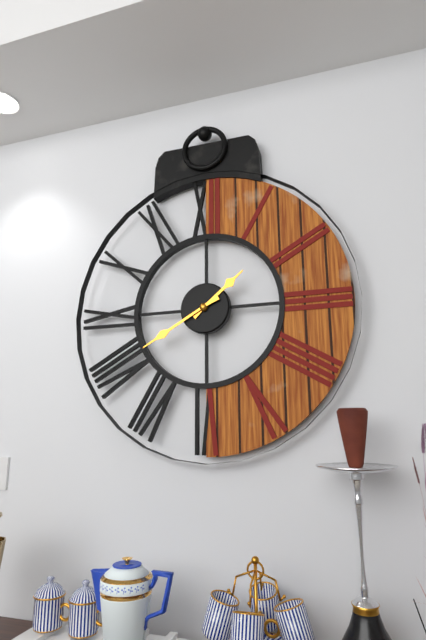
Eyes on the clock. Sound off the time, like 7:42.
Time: 1:40
